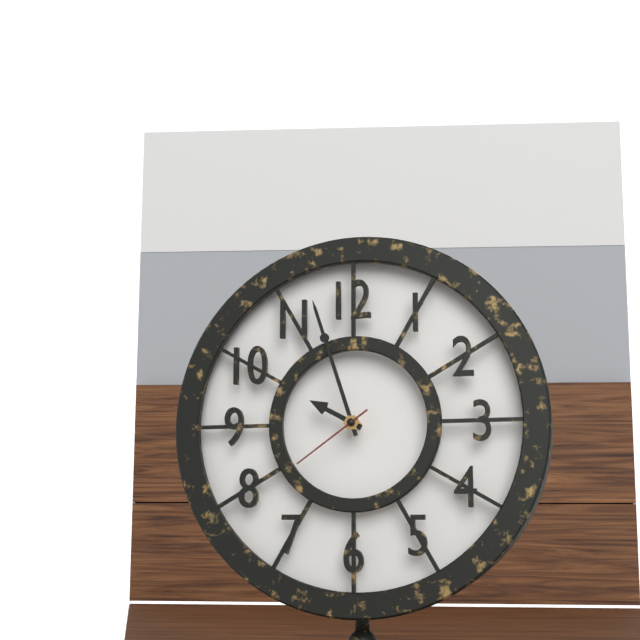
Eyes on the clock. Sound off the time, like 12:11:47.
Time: 9:57:39
